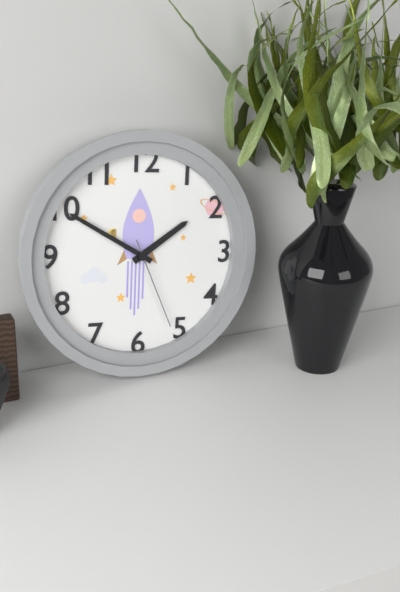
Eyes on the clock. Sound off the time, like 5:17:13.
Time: 1:50:26
